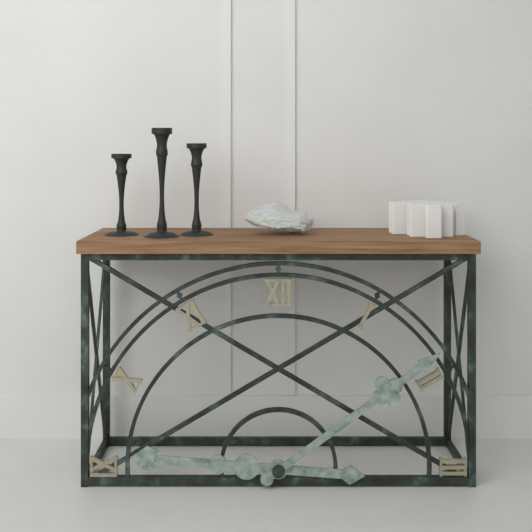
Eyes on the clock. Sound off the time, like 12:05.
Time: 9:09
